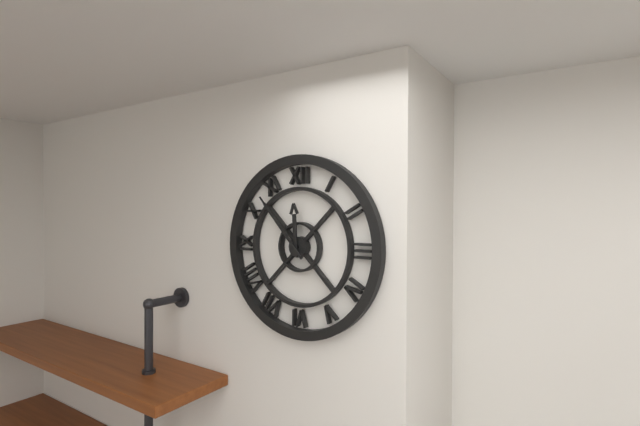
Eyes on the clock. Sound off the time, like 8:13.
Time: 11:53
